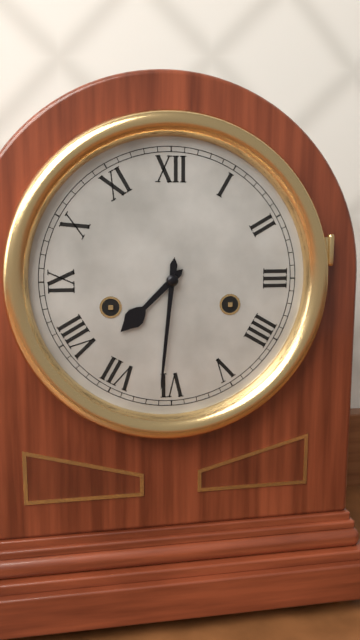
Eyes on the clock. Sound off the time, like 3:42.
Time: 7:31
